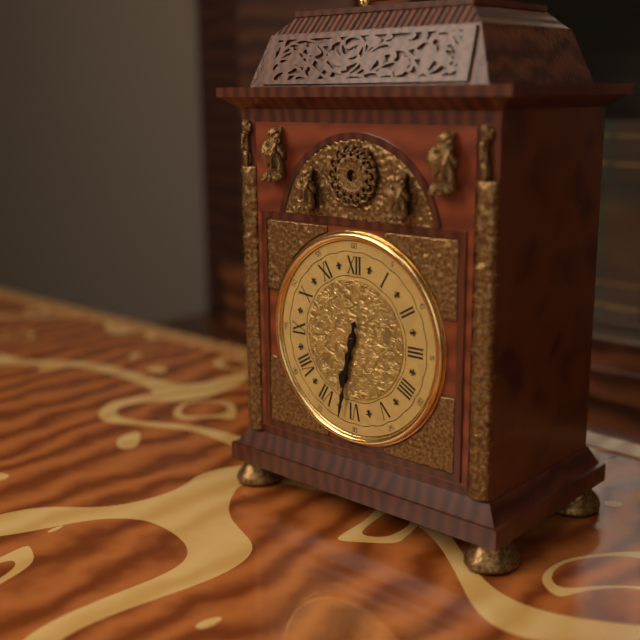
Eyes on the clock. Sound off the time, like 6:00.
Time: 6:32
